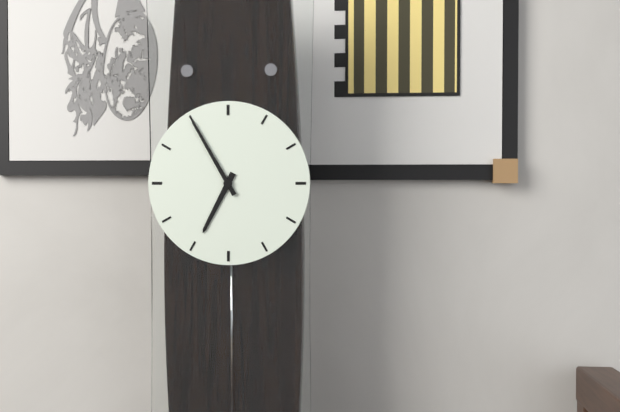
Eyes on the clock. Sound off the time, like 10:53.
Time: 6:55
